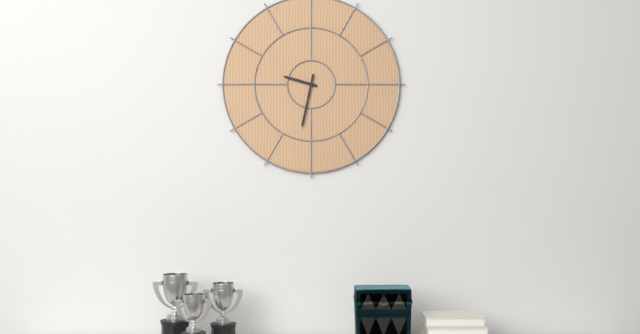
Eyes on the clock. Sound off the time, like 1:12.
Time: 9:32
